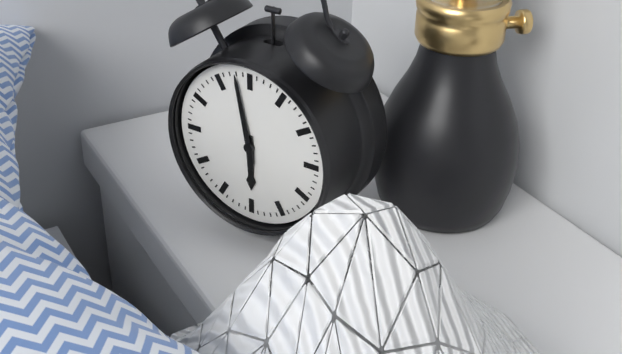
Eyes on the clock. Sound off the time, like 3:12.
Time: 5:58
